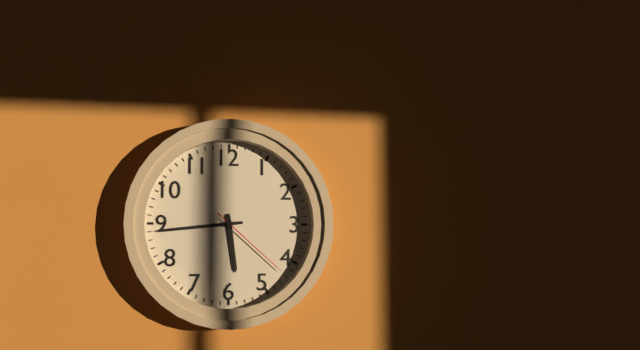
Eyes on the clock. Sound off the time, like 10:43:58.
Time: 5:44:22
